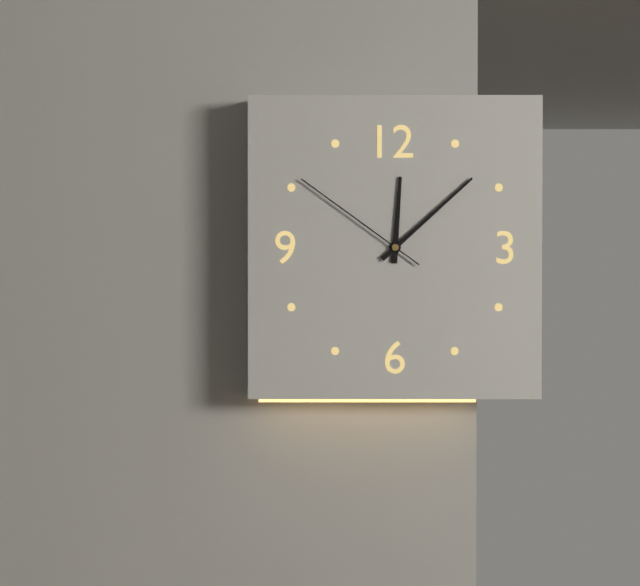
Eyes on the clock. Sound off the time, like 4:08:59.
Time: 12:08:51
